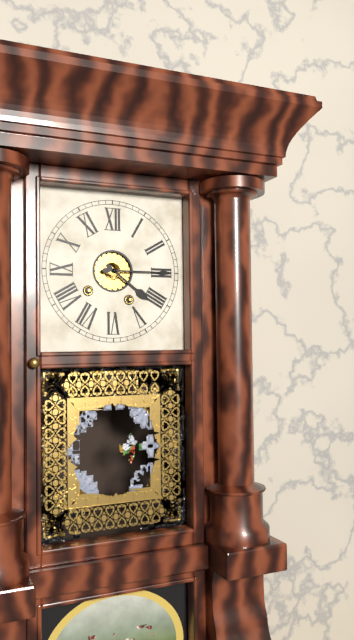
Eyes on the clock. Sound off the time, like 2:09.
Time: 4:15
